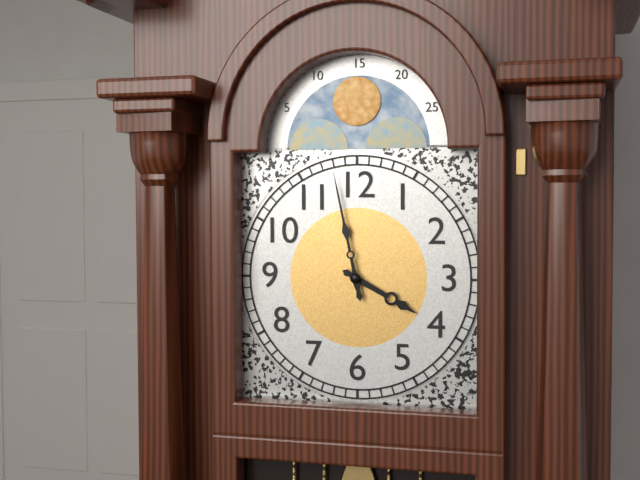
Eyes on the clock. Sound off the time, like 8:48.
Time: 3:58
